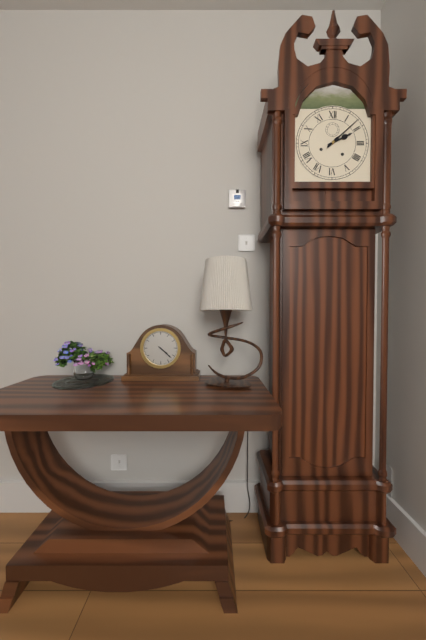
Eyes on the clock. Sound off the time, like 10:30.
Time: 2:08
